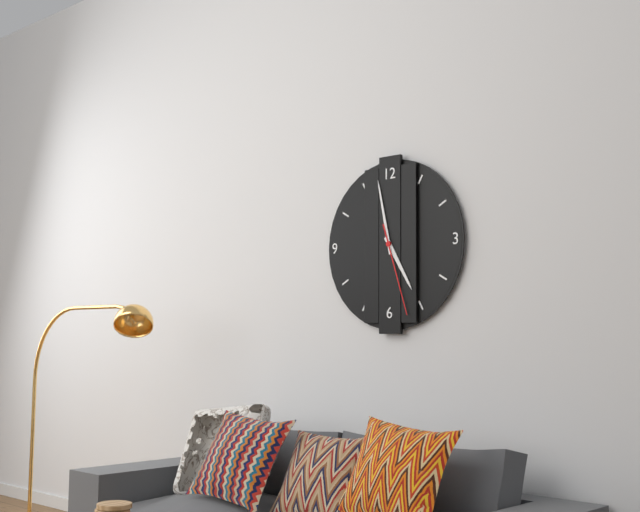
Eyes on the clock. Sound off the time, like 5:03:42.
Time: 4:58:27
